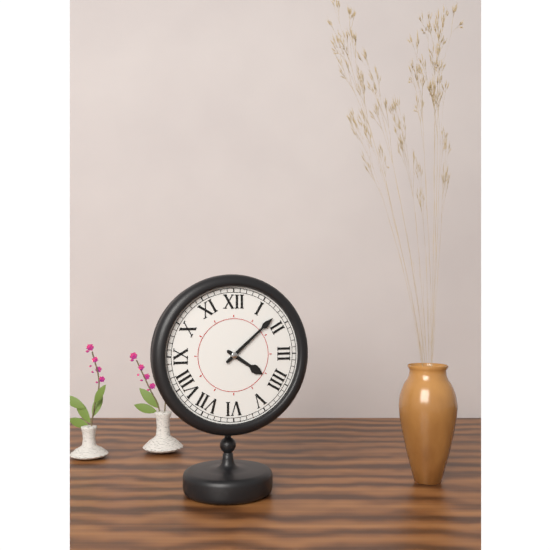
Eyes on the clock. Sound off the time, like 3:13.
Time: 4:08
